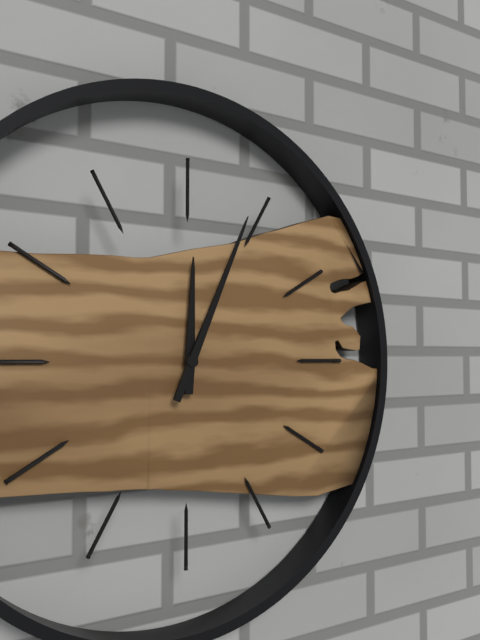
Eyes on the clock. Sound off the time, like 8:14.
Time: 12:04
